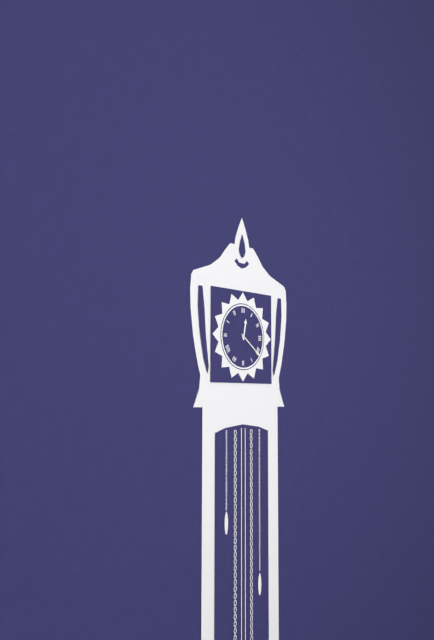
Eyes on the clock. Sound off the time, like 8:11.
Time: 12:21
